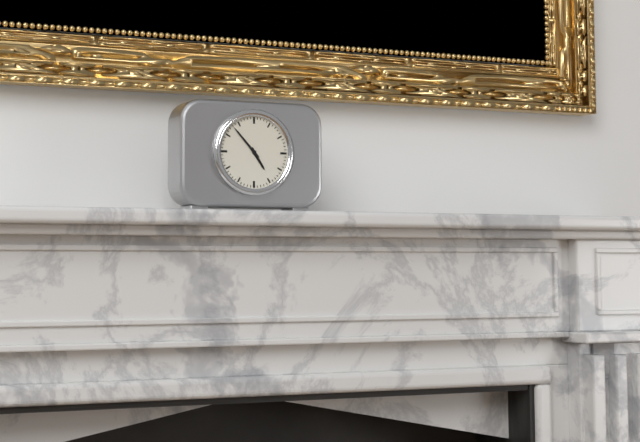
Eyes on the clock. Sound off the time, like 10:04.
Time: 4:53
